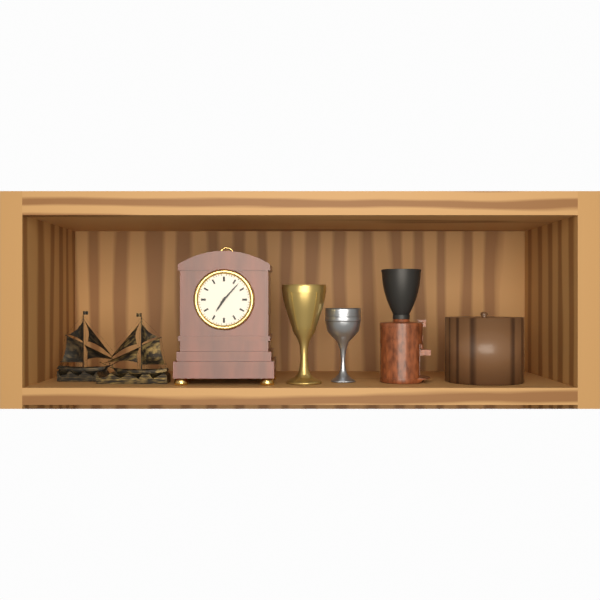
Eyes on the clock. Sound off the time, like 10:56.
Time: 7:07
